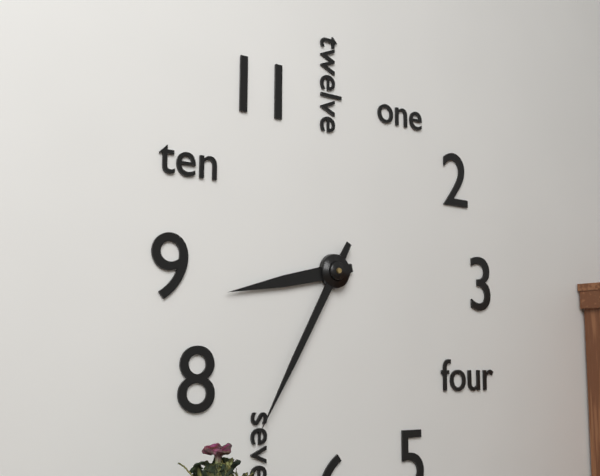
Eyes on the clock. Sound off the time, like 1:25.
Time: 8:35
